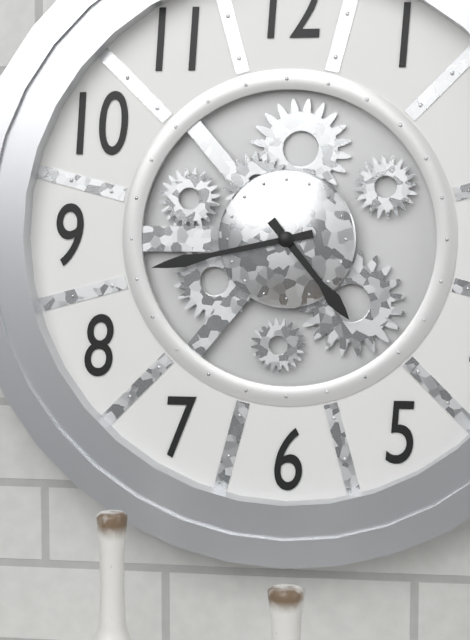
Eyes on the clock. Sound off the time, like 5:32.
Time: 4:43
